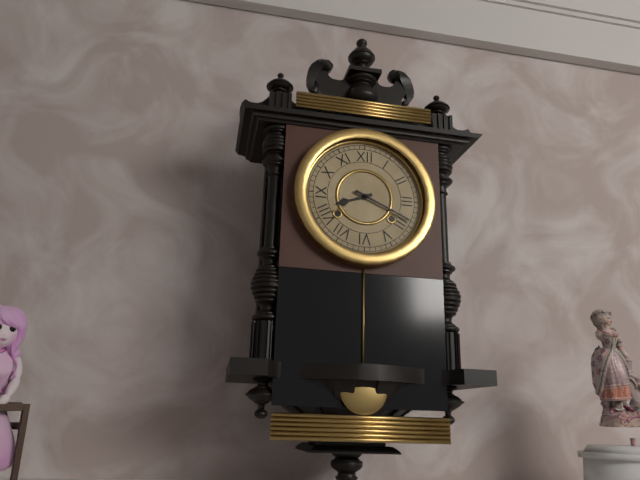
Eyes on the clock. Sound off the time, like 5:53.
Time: 8:19
